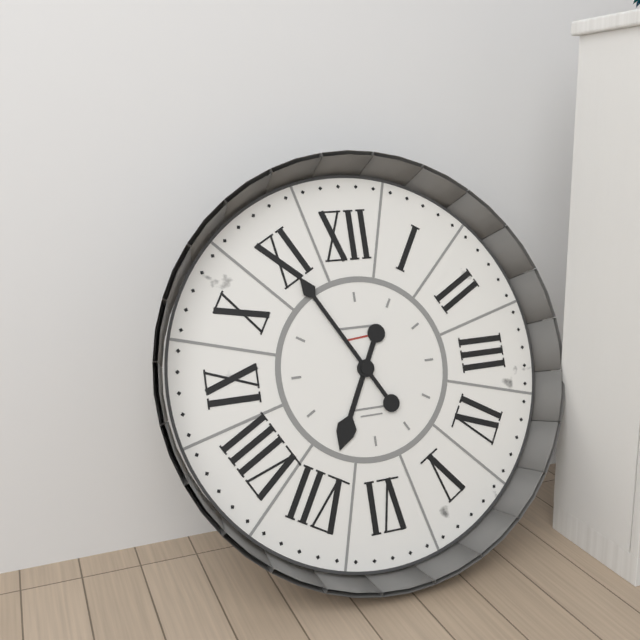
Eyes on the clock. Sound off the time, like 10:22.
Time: 6:55
